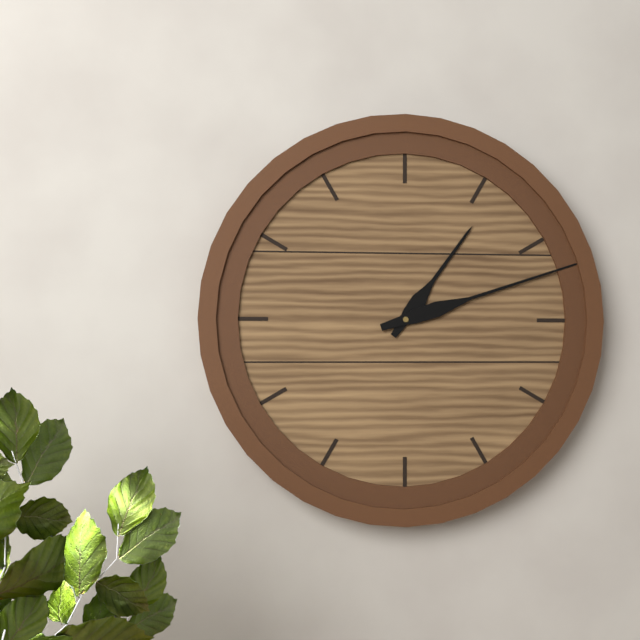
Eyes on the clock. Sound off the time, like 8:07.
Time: 1:12
